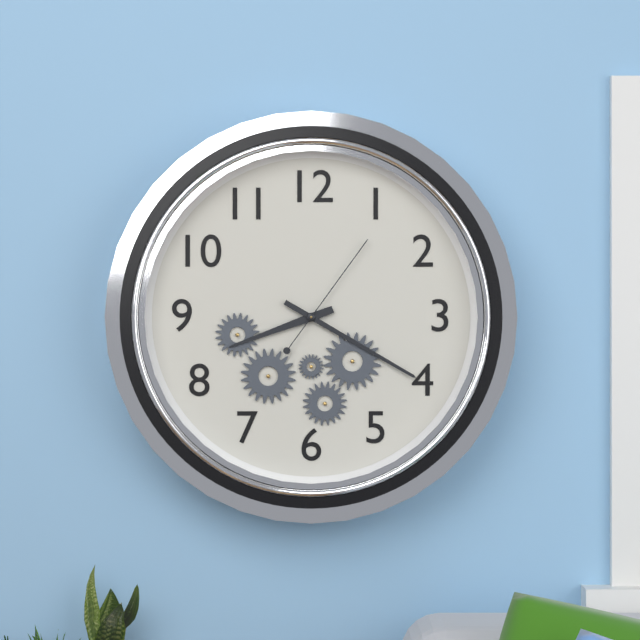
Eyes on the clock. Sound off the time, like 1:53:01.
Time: 8:20:06
